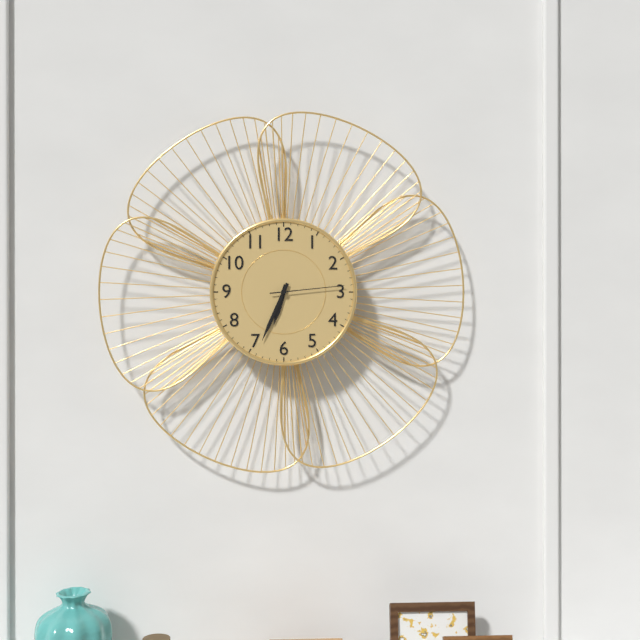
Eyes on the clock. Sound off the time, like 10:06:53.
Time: 6:34:14
